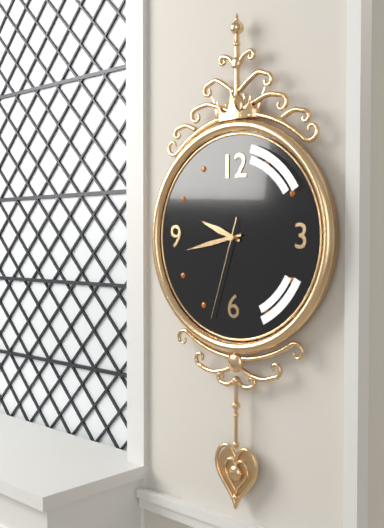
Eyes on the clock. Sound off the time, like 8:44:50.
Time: 9:43:33
